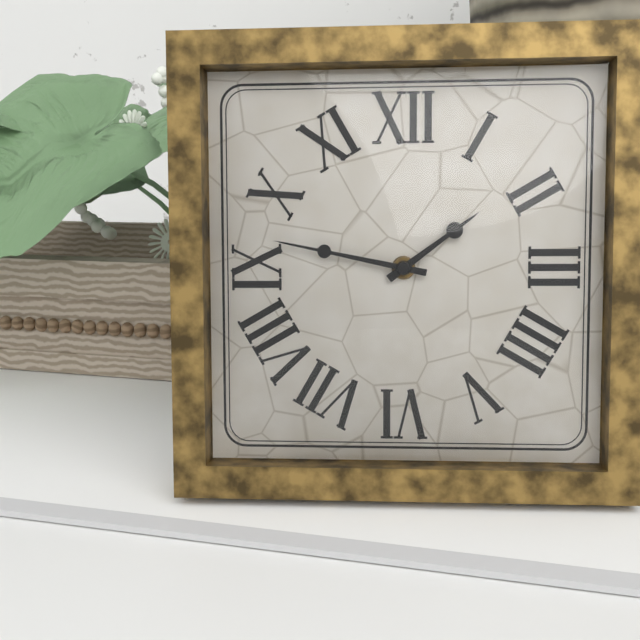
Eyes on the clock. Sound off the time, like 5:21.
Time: 1:47
